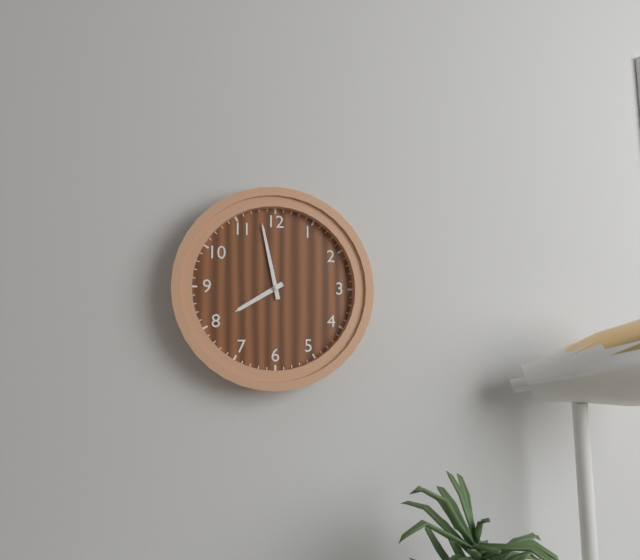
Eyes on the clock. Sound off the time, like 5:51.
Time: 7:58
